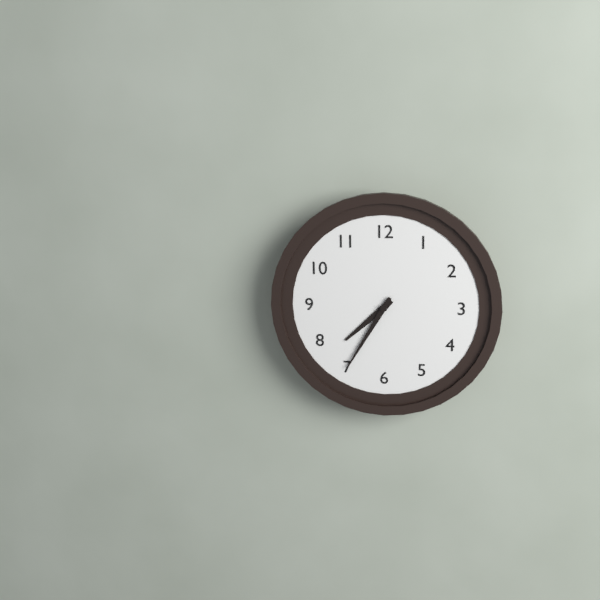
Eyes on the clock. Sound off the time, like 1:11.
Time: 7:35
